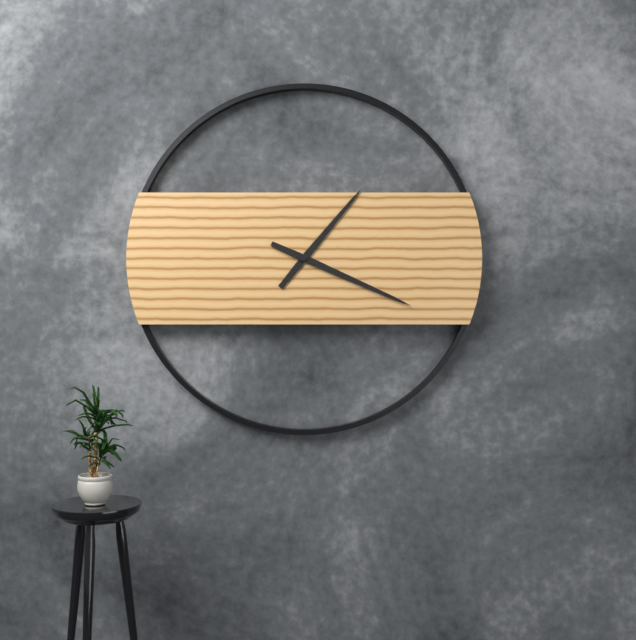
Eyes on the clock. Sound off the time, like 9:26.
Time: 1:19
